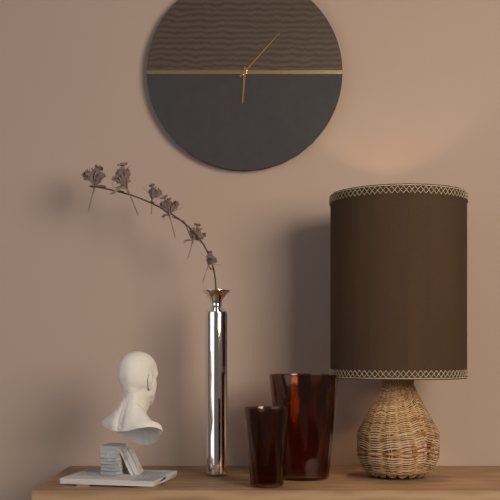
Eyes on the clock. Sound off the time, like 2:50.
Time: 6:07
